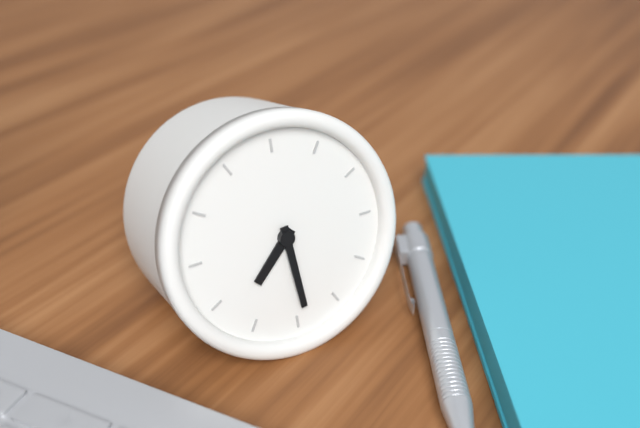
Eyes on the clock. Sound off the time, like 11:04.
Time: 7:29
